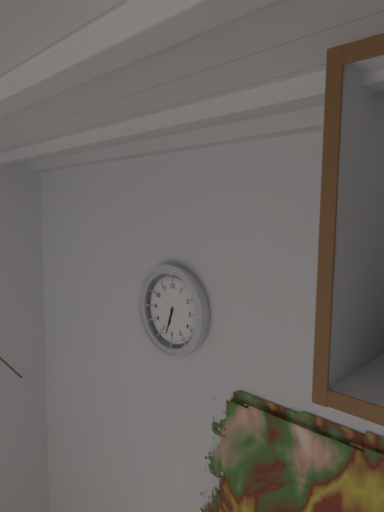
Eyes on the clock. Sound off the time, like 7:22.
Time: 6:33
